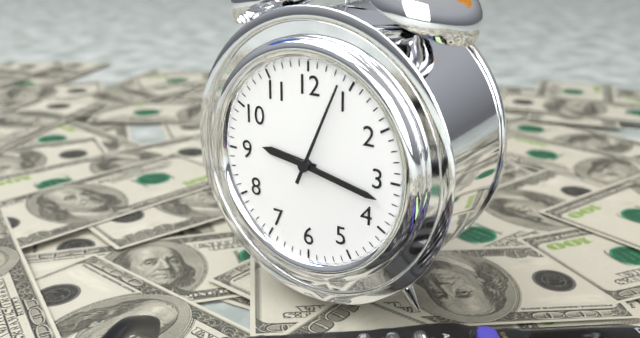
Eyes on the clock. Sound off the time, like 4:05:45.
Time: 9:17:04
